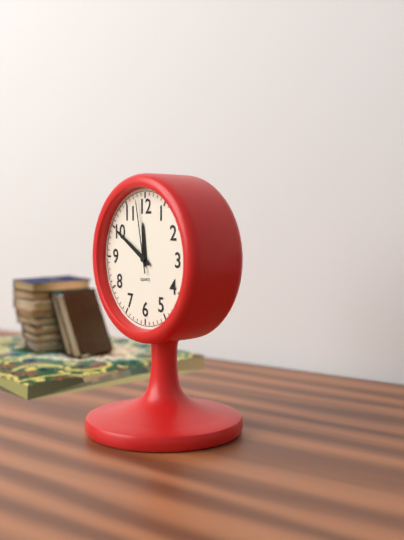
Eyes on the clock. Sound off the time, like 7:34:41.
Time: 11:50:58
